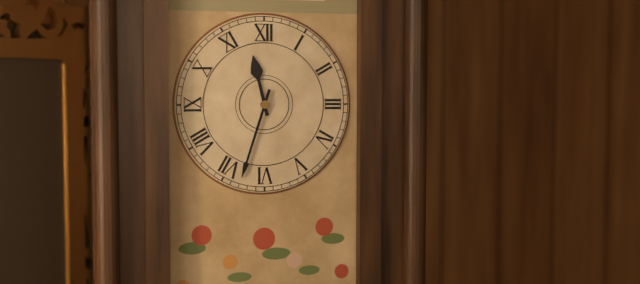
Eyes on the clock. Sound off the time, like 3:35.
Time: 11:33
